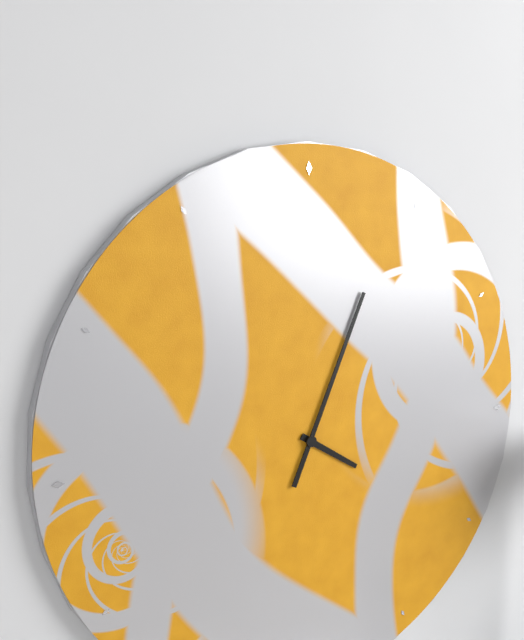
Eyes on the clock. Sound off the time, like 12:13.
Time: 4:04
